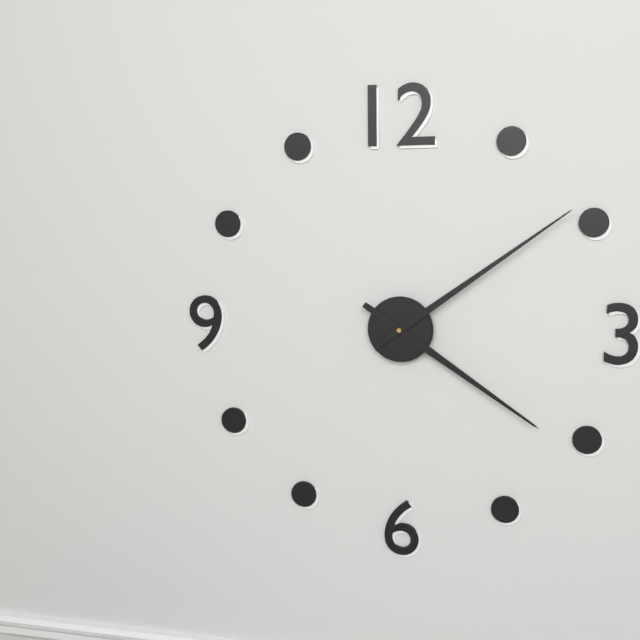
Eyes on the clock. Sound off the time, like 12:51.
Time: 4:09
